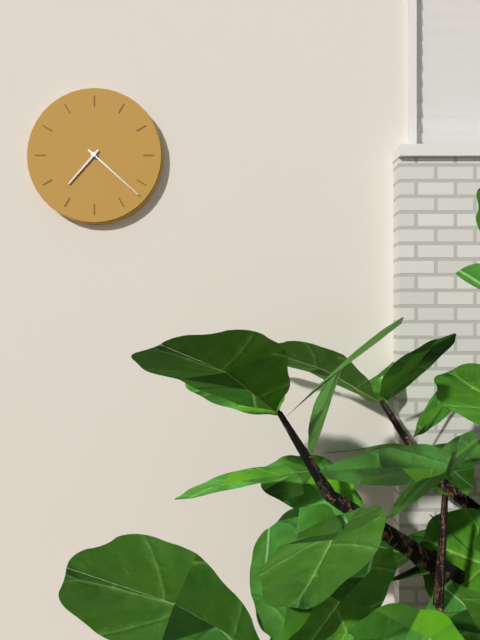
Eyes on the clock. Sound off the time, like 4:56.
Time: 7:22
